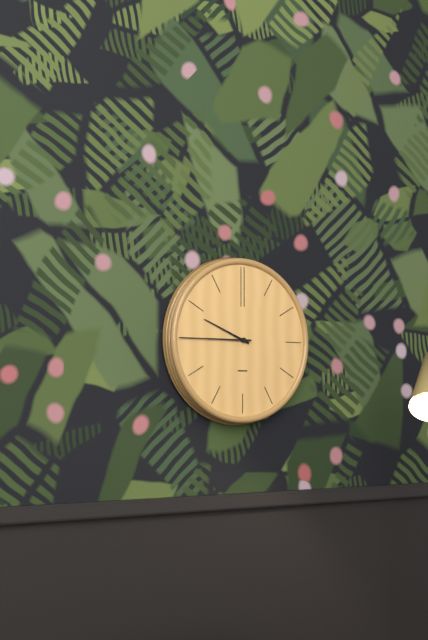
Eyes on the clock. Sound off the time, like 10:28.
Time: 9:45
